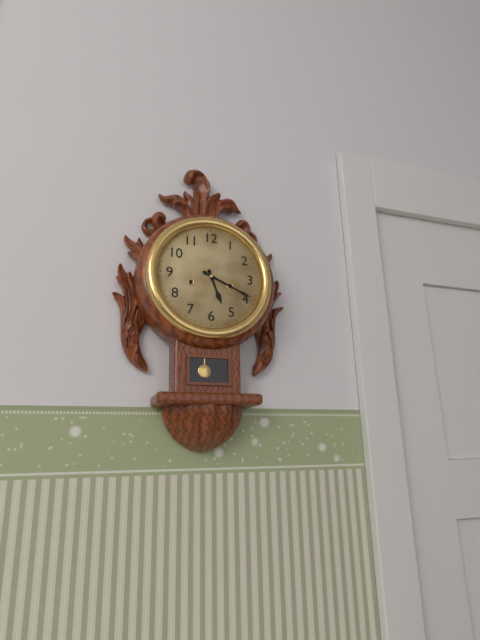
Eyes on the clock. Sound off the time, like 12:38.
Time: 5:19
